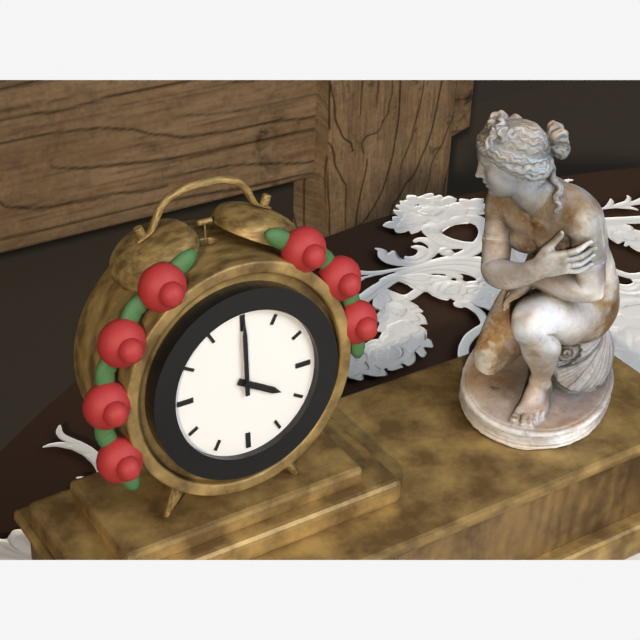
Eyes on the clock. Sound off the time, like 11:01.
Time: 4:00
